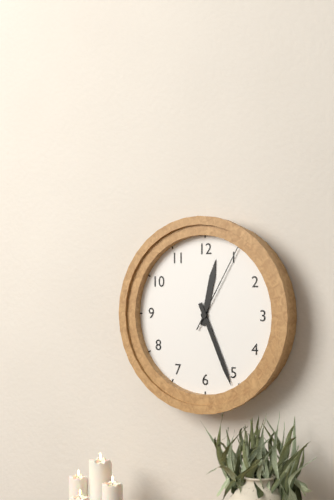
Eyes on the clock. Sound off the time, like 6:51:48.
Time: 12:26:05
